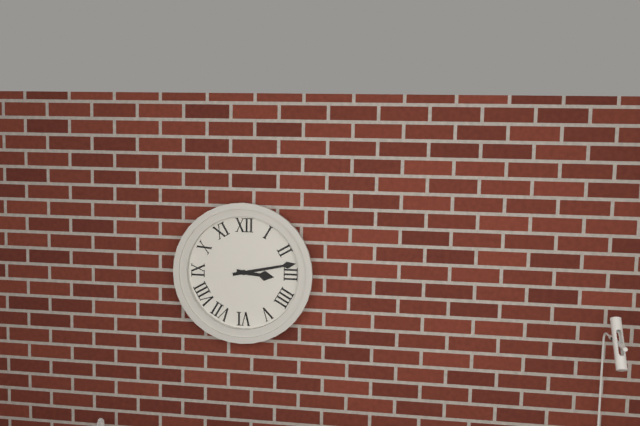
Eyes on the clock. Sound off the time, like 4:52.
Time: 3:13
